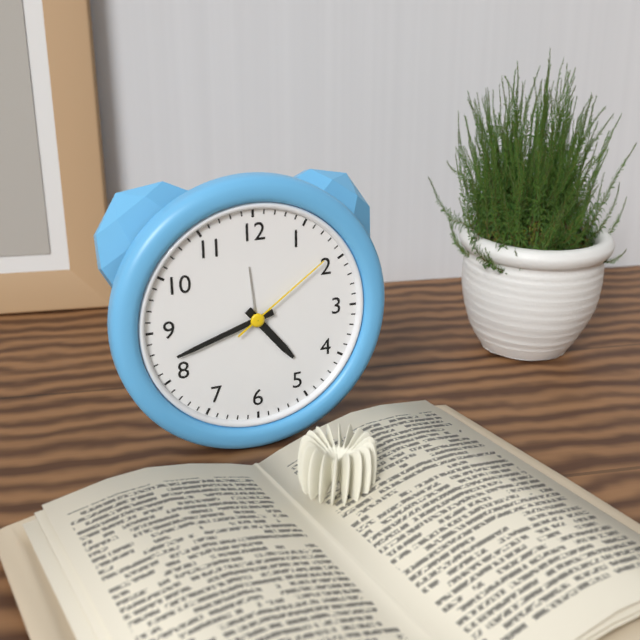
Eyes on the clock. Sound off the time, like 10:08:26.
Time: 4:42:09
